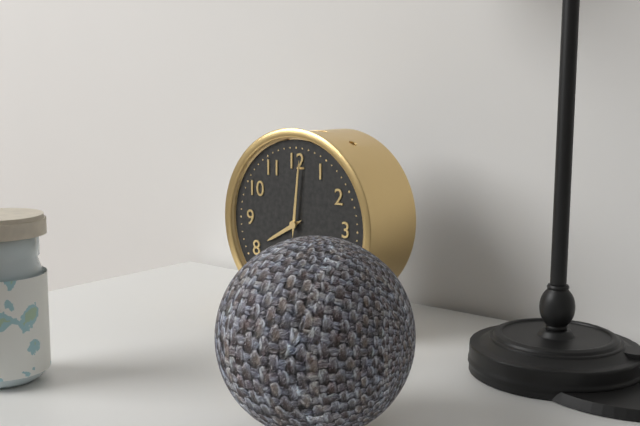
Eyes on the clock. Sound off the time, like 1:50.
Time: 8:01
